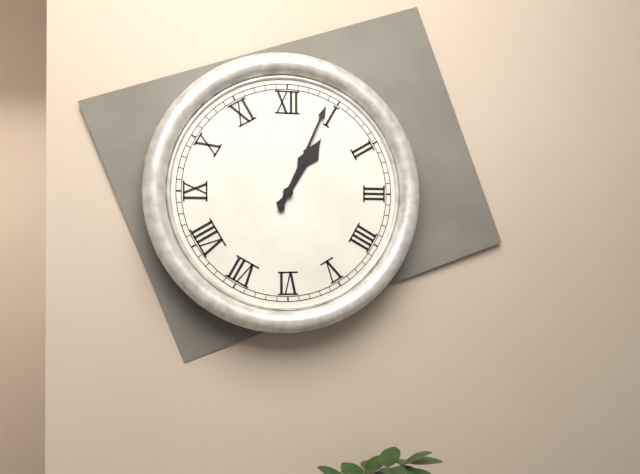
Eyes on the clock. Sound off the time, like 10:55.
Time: 1:04
